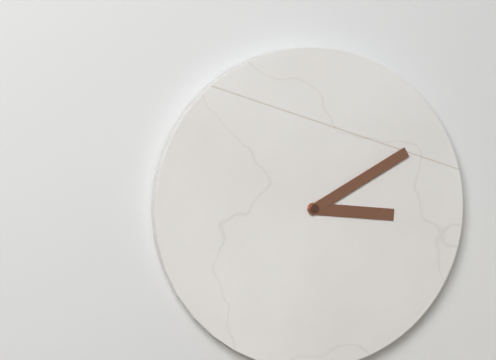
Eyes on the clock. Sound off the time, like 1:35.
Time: 3:10
